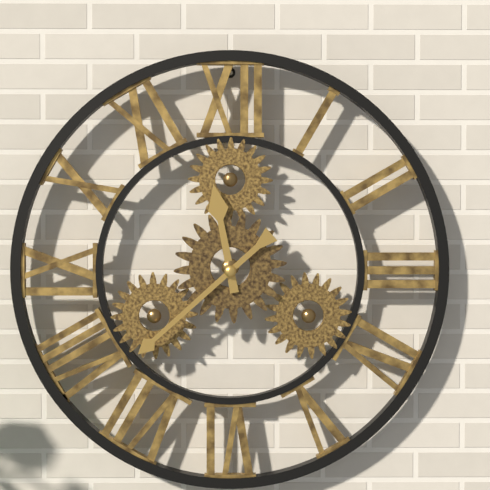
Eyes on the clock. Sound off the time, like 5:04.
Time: 11:38
